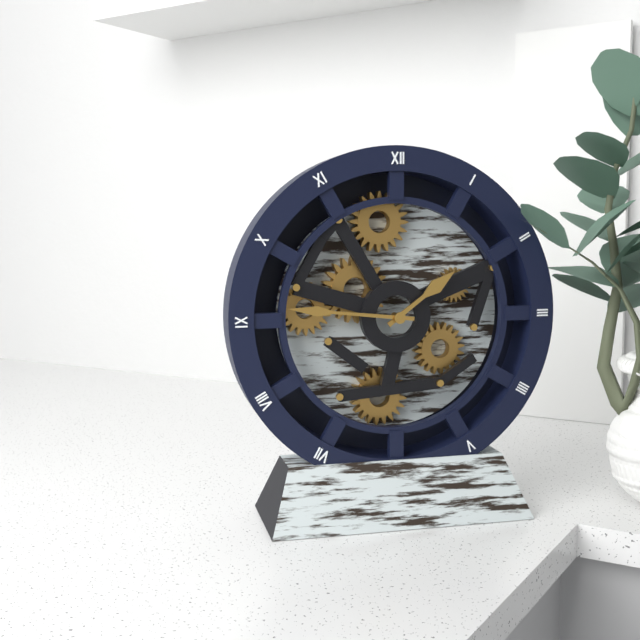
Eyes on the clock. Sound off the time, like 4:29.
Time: 1:46
